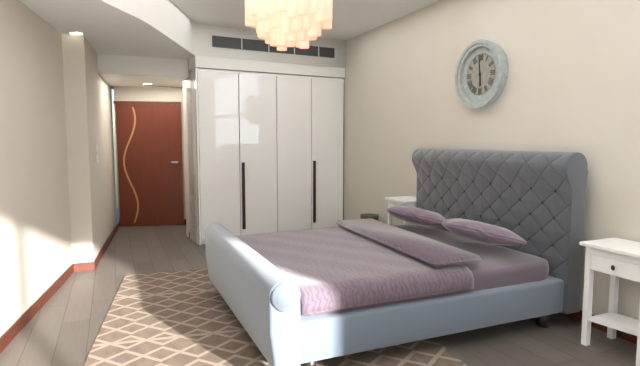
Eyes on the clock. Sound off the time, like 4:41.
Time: 5:59
